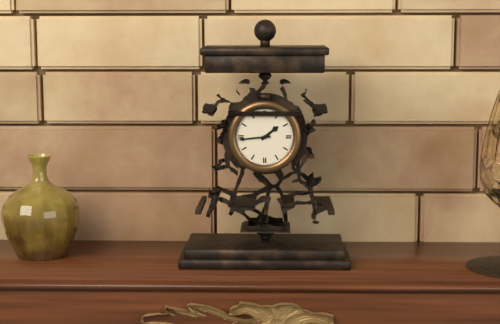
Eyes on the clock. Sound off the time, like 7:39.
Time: 1:44
